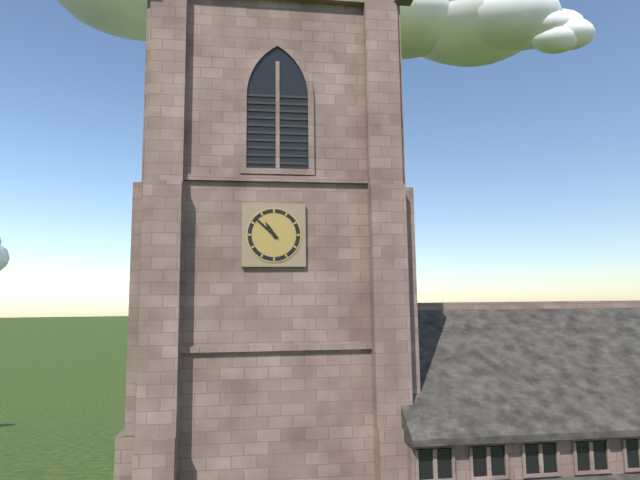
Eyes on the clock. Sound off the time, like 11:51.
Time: 10:52
